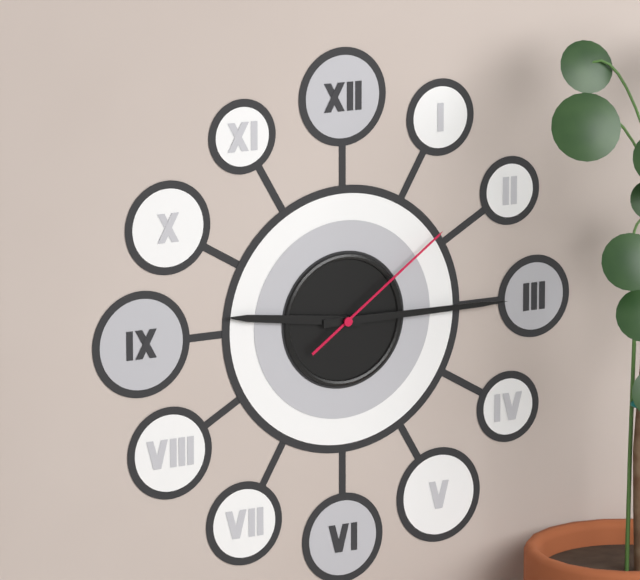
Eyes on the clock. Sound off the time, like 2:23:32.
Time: 9:15:09
